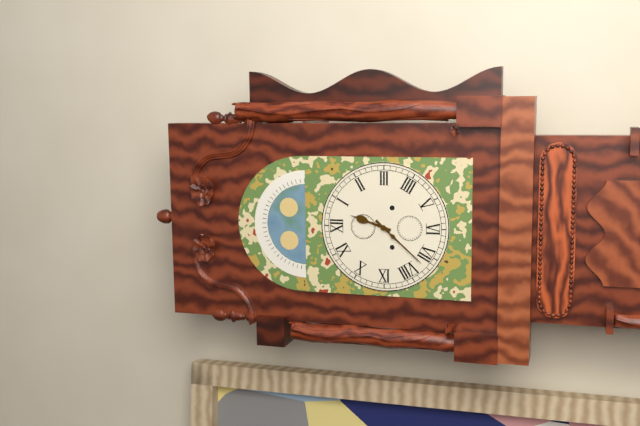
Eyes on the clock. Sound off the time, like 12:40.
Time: 12:37
